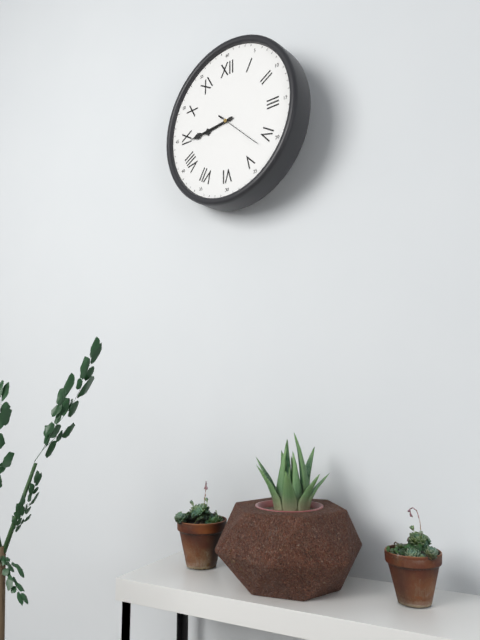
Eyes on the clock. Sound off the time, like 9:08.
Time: 8:44
